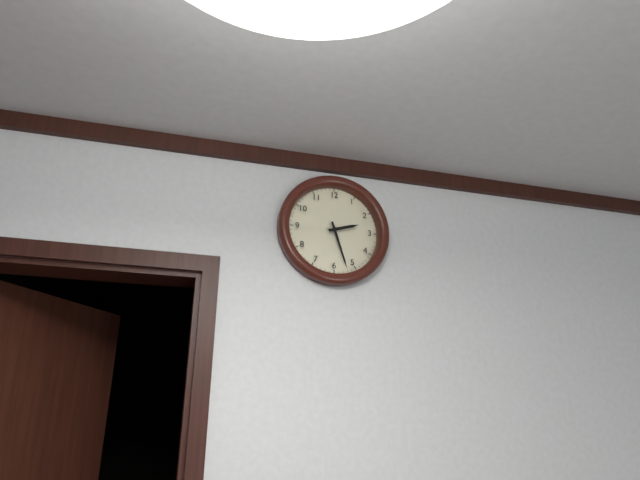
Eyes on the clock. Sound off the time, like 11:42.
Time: 2:27
